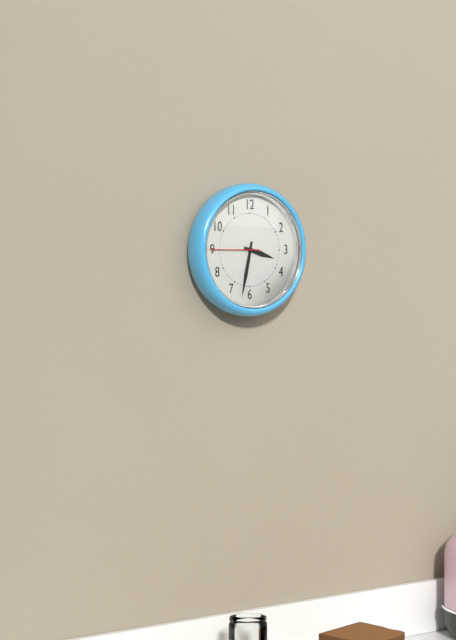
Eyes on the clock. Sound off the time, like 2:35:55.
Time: 3:32:45
